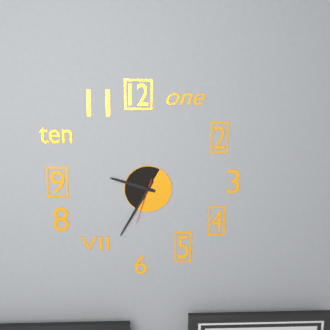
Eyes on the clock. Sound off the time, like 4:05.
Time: 9:35
